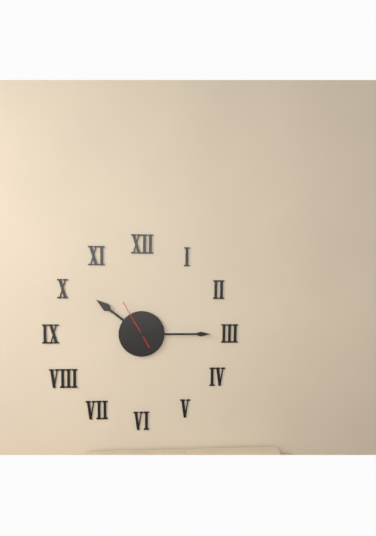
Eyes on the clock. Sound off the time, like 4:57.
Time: 10:15
